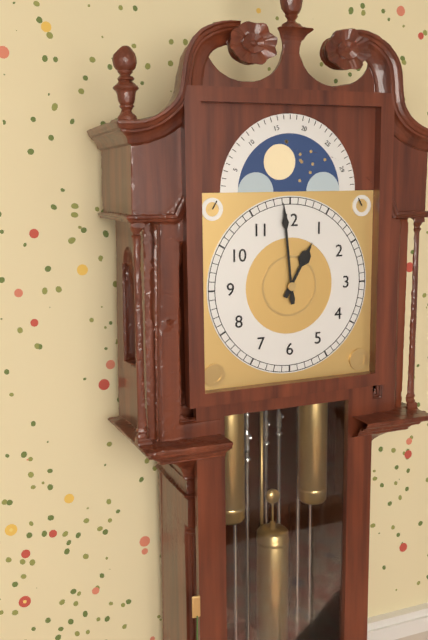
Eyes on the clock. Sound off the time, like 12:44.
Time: 12:59
